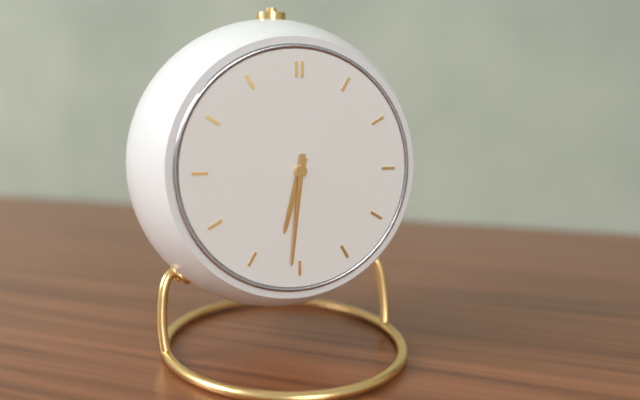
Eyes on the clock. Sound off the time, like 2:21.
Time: 6:31
